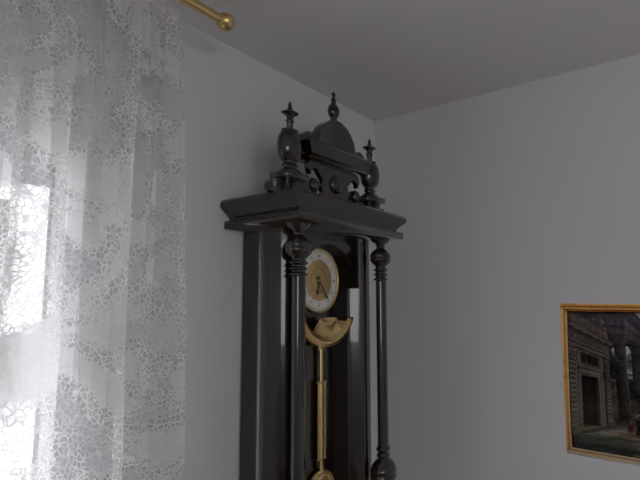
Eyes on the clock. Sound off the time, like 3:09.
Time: 6:24
